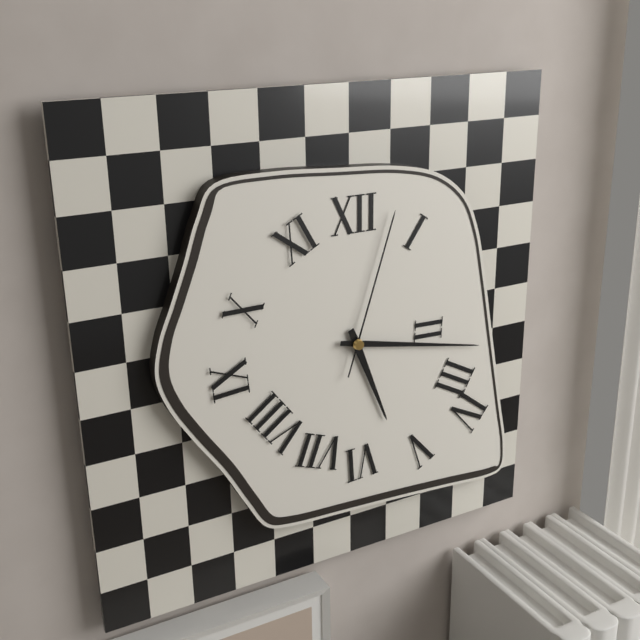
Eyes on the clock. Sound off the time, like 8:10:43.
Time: 5:17:03
